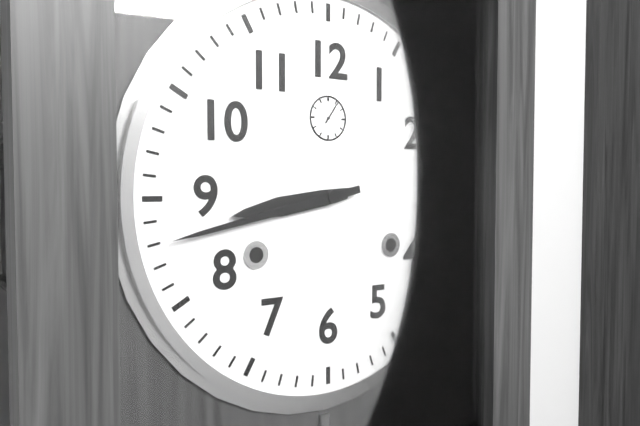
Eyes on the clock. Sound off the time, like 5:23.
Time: 8:43
